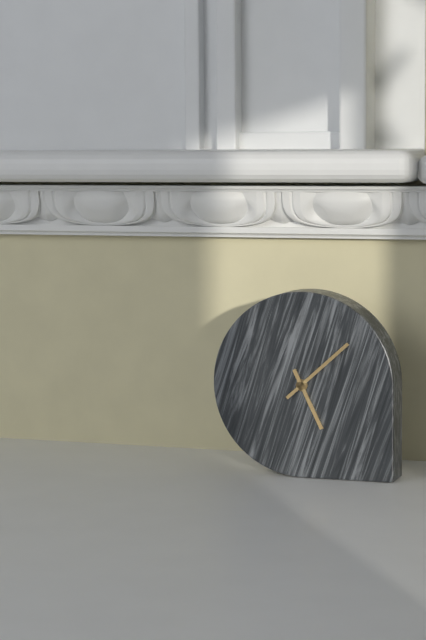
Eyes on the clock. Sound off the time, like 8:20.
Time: 5:08
